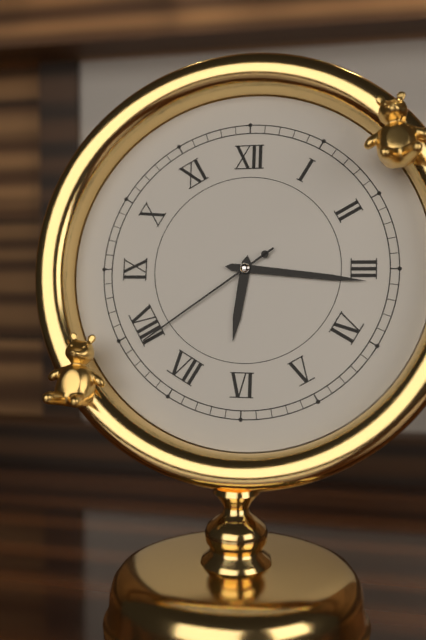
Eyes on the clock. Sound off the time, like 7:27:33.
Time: 6:16:39
